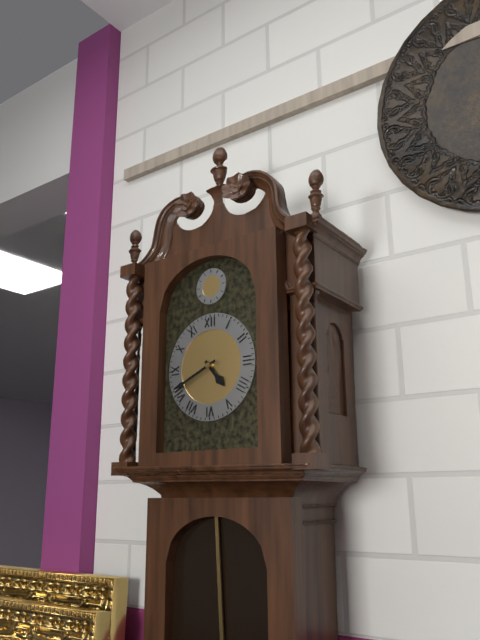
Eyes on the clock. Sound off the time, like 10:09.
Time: 4:41
